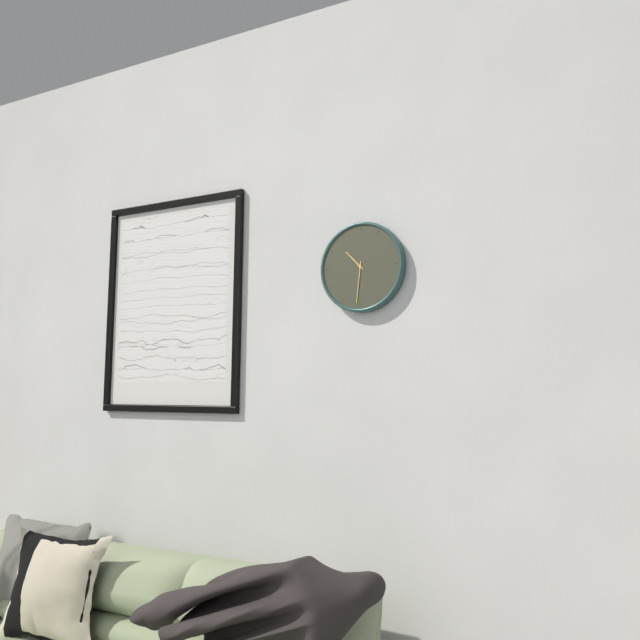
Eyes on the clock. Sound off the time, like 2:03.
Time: 10:31
